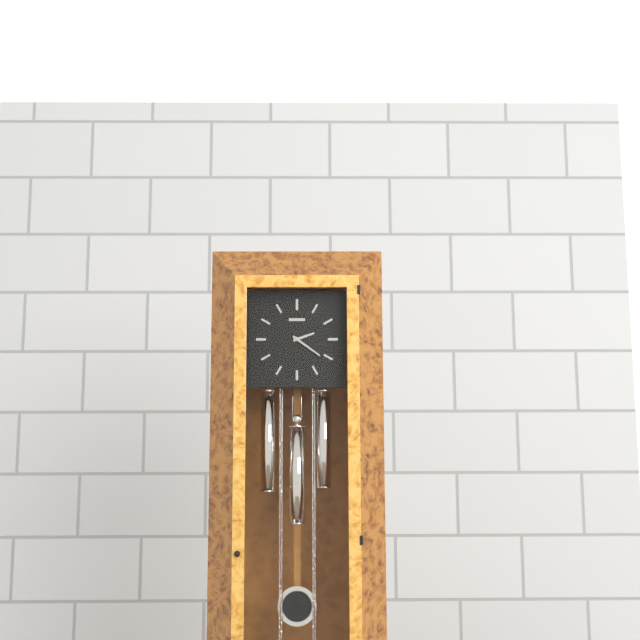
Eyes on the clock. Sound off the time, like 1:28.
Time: 2:21
